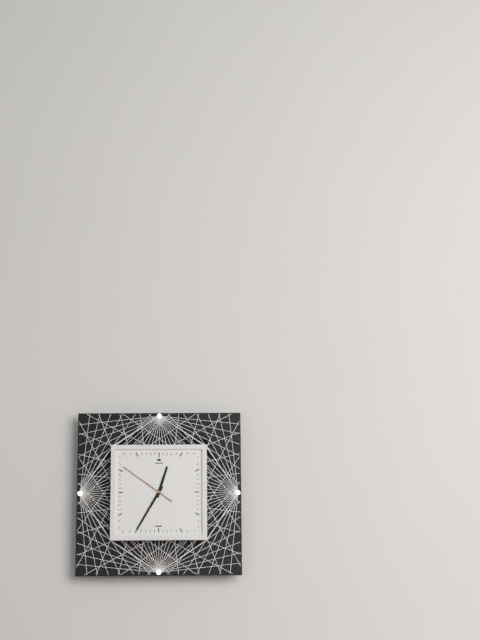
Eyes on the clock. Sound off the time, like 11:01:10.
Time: 12:35:51
